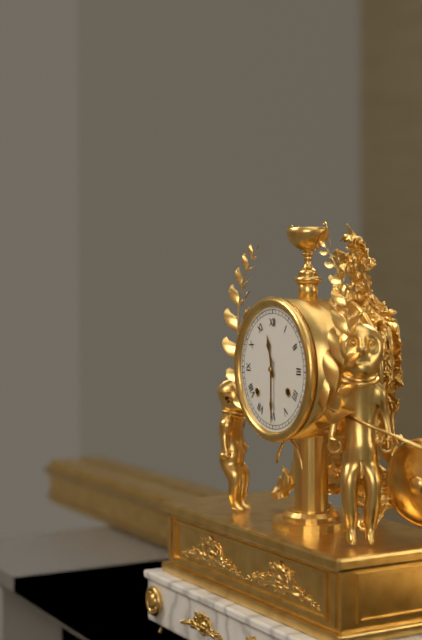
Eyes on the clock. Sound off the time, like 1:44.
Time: 11:30
